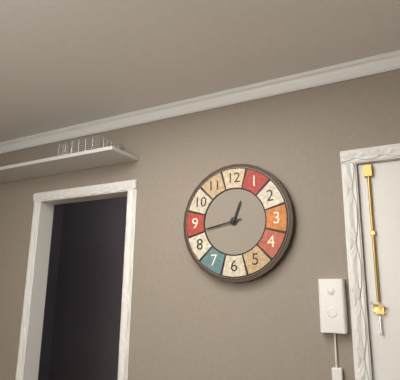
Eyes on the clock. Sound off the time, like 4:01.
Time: 12:43
